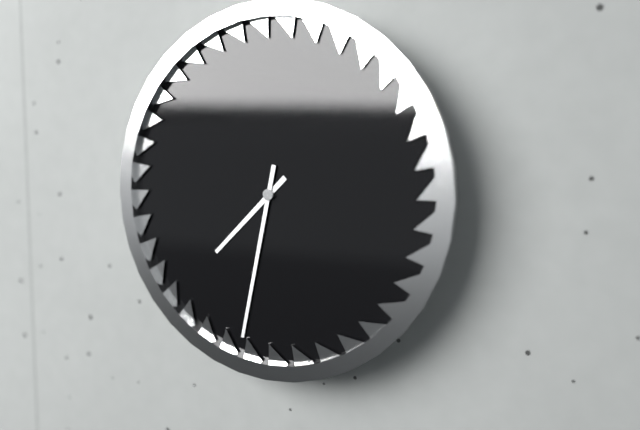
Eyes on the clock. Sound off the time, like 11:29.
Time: 7:32
